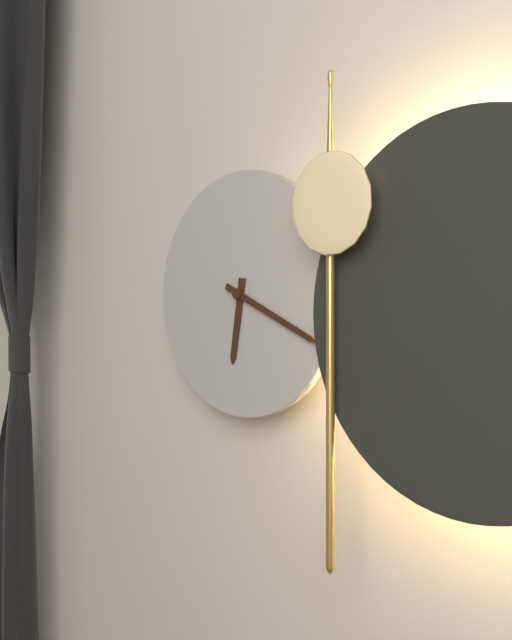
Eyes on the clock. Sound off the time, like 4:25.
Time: 6:19
